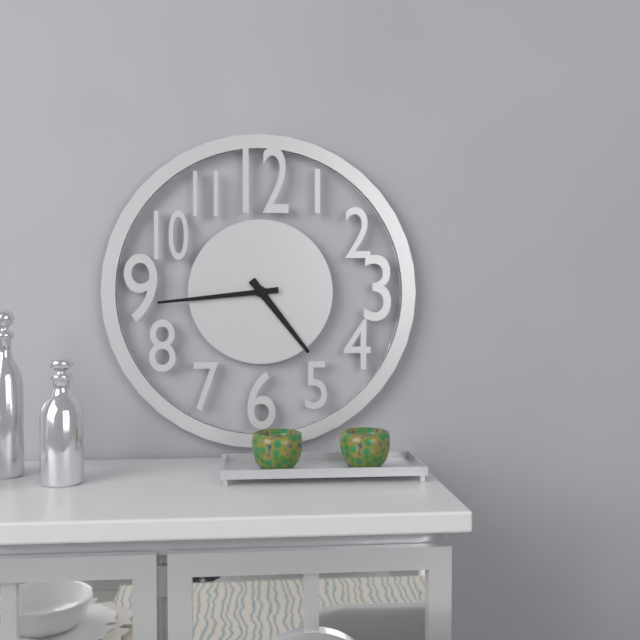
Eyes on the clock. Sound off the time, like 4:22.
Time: 4:44
